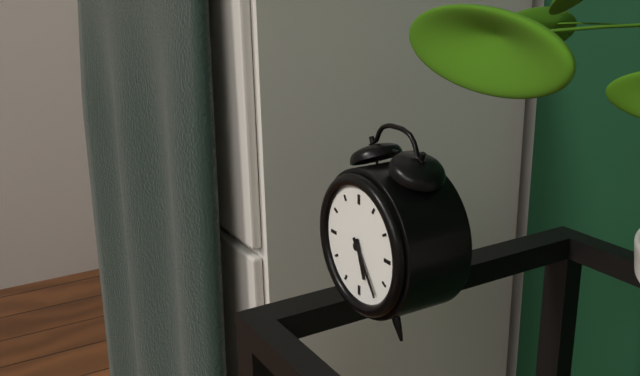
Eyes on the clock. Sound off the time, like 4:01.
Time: 5:24
